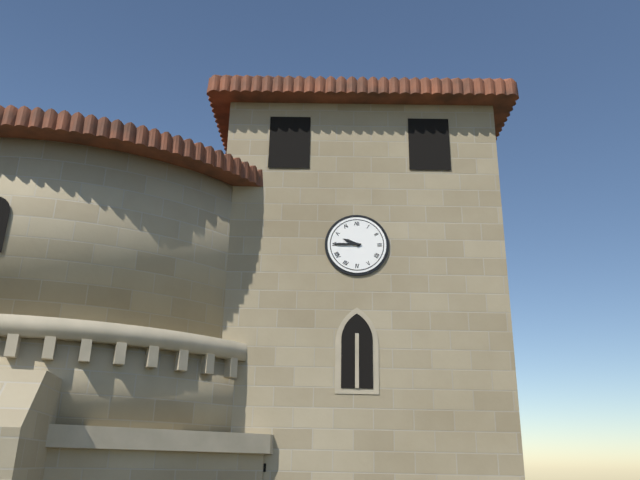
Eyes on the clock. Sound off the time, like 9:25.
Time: 9:45
